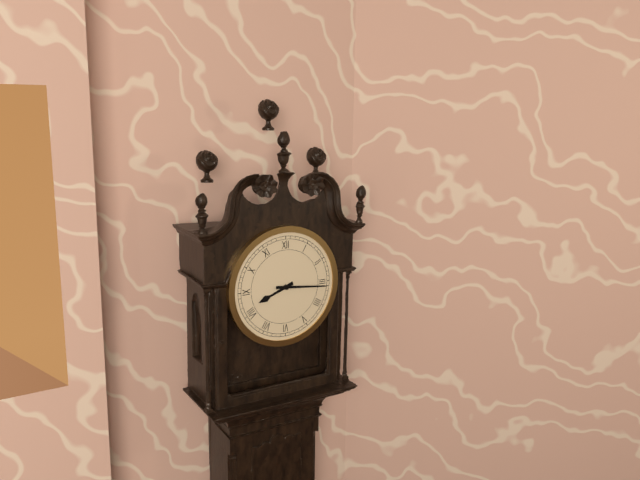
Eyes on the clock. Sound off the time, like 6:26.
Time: 8:16
